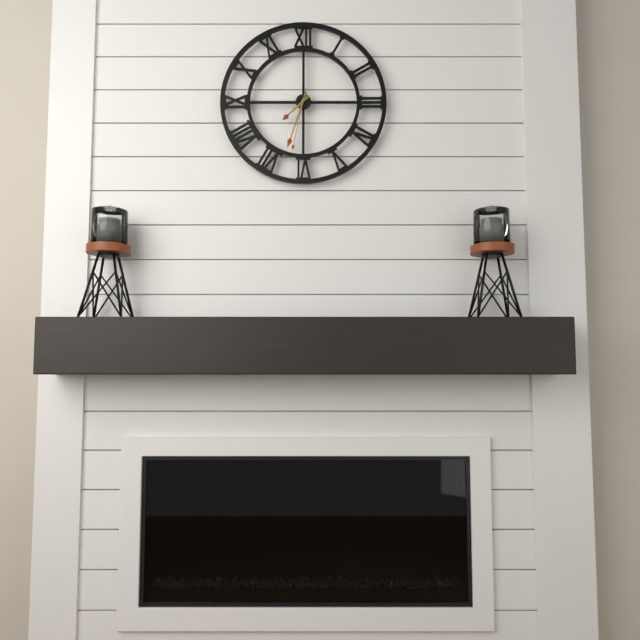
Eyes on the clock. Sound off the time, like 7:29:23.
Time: 7:33:32
